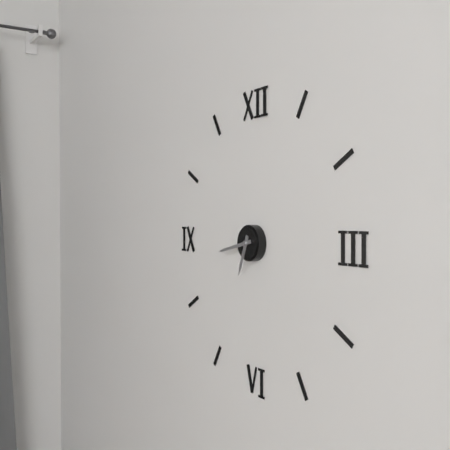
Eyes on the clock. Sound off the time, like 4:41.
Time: 6:43
